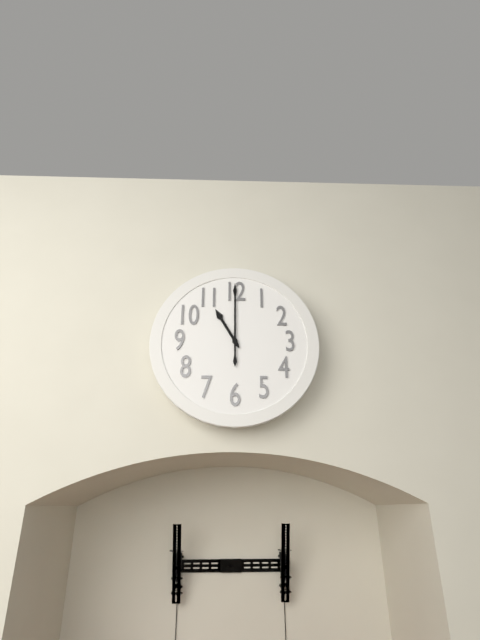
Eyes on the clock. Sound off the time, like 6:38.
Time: 11:00
